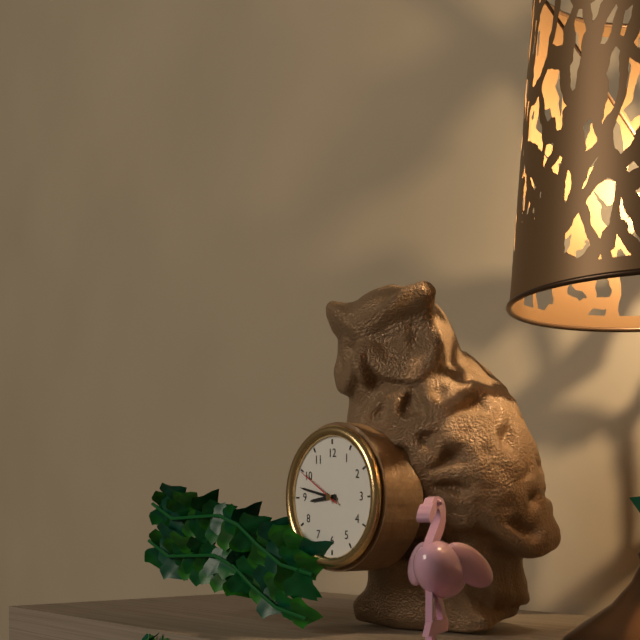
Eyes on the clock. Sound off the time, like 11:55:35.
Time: 8:47:50
